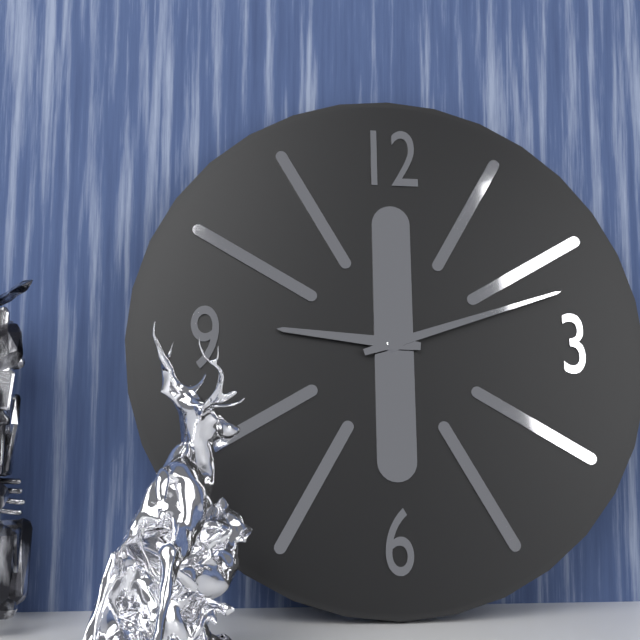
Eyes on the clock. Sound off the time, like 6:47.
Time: 9:12
